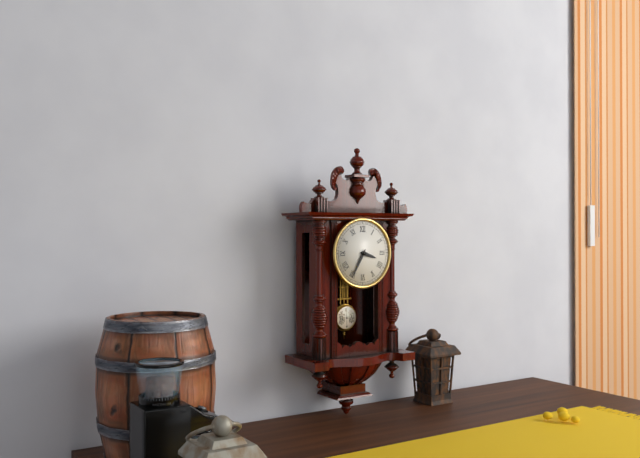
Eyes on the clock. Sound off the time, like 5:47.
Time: 3:35
